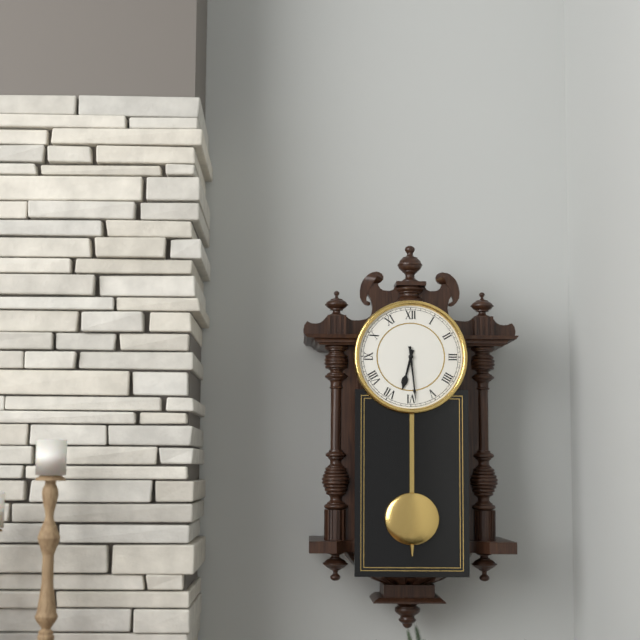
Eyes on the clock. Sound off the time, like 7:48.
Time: 6:29
